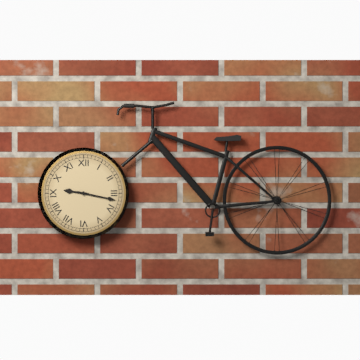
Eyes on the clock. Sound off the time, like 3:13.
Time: 9:17
